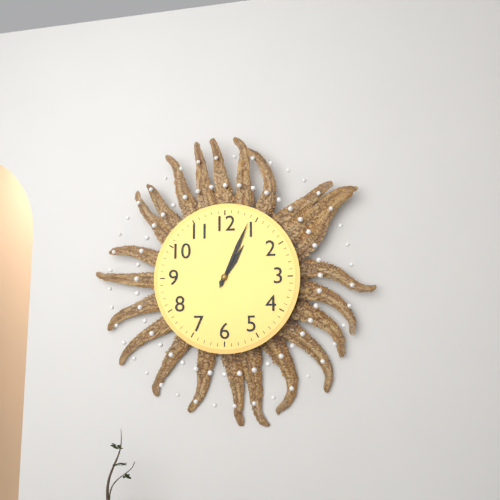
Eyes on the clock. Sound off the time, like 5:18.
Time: 1:04
